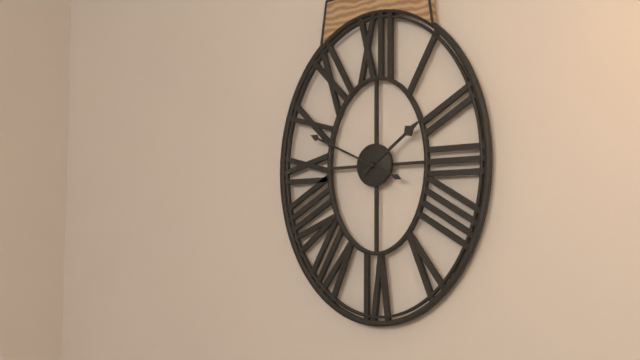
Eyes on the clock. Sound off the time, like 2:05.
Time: 1:49
